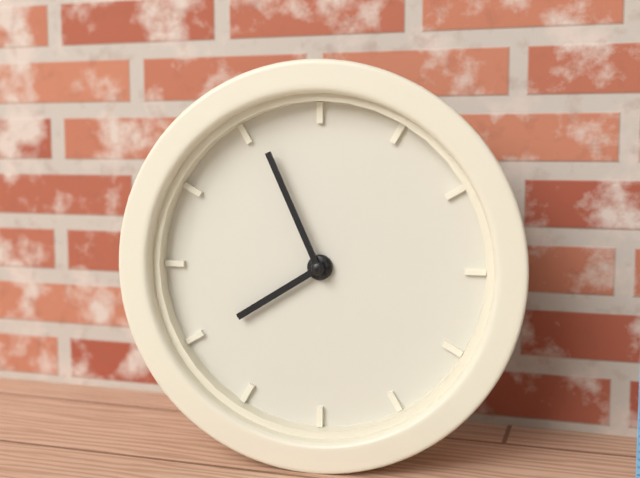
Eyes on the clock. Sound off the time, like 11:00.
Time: 7:56
